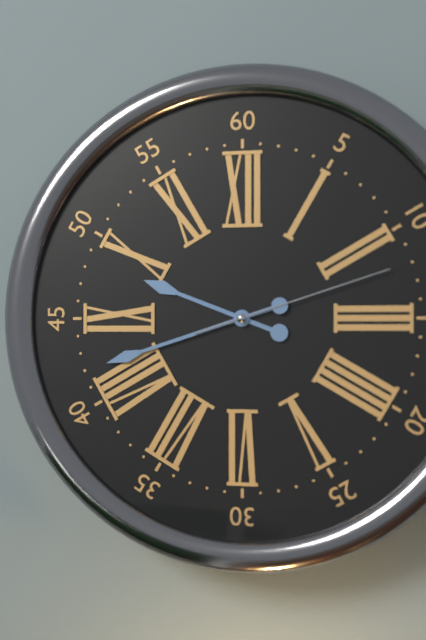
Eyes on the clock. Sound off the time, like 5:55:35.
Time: 9:42:12
